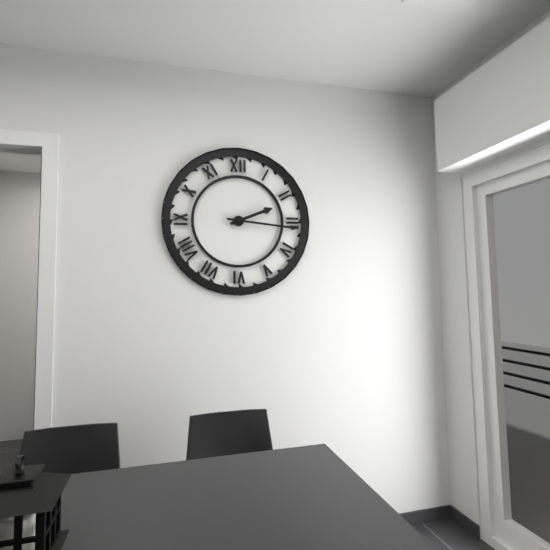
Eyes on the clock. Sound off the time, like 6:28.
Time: 2:16
